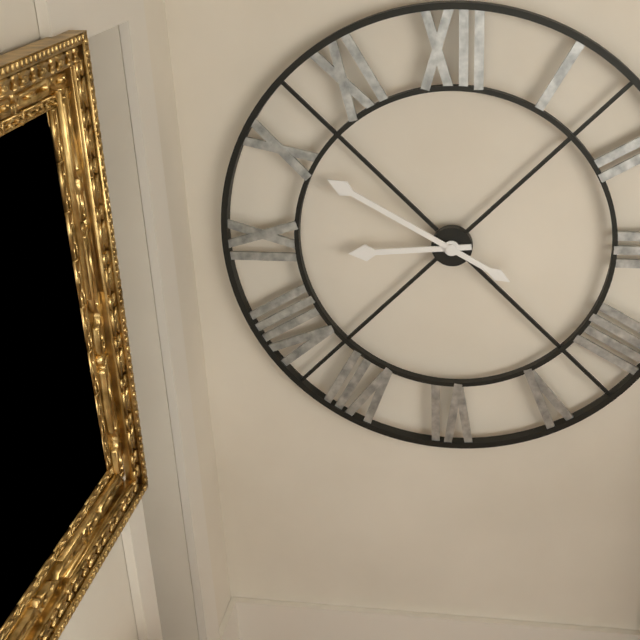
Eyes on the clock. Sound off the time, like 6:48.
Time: 8:50
